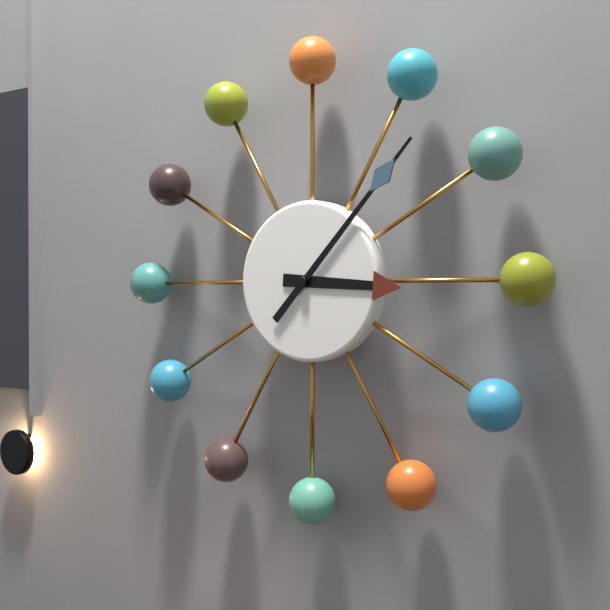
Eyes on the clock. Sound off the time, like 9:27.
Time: 3:07
